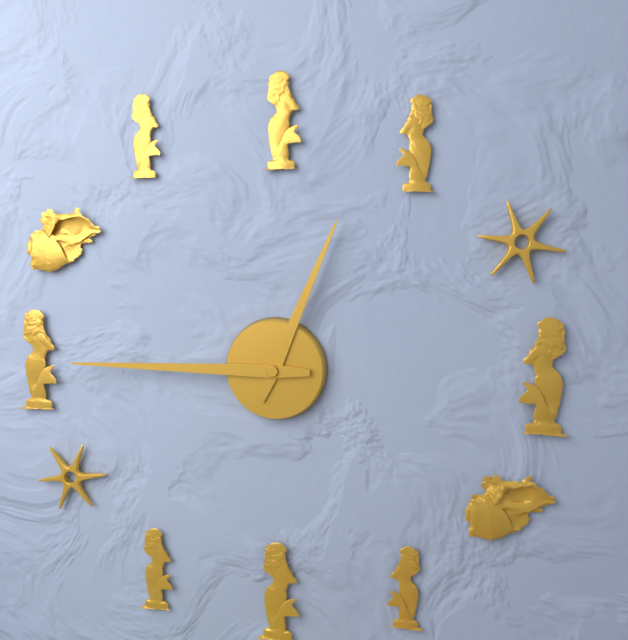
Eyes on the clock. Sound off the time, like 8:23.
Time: 12:45
